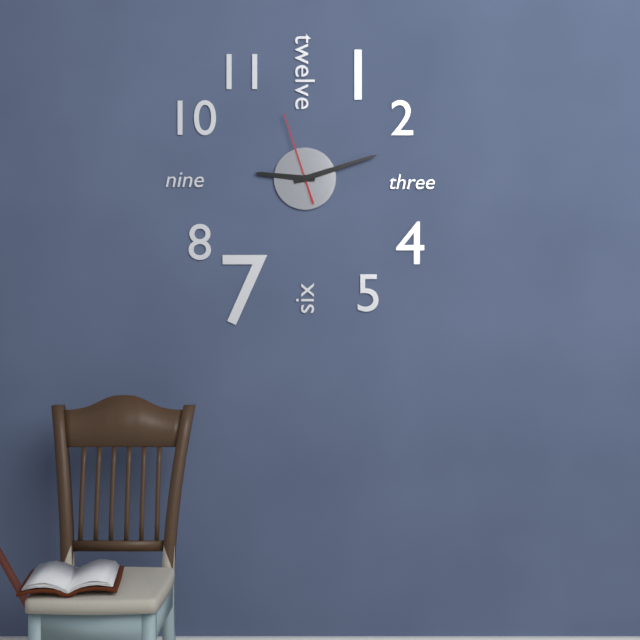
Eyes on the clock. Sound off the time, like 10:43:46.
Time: 9:12:57
